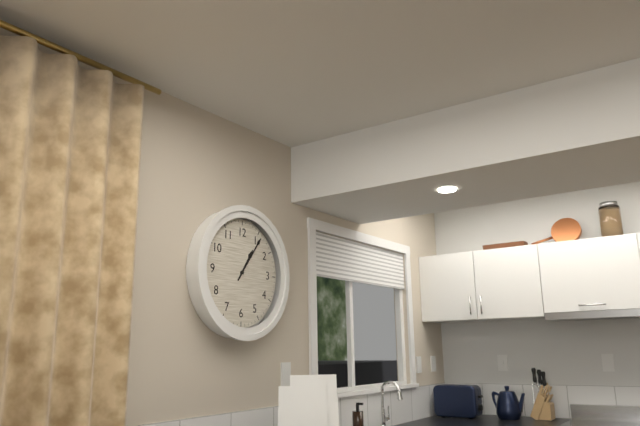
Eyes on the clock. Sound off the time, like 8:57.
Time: 1:06
